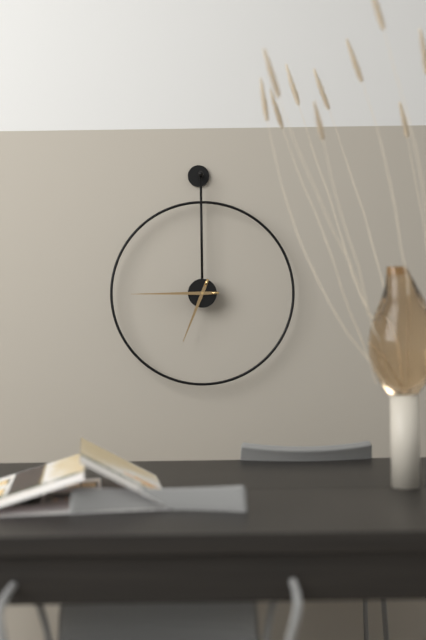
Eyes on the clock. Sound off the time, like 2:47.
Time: 6:45
